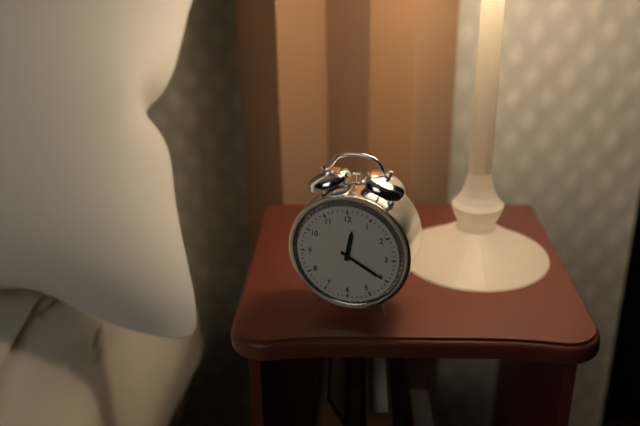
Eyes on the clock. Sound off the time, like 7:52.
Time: 12:20
